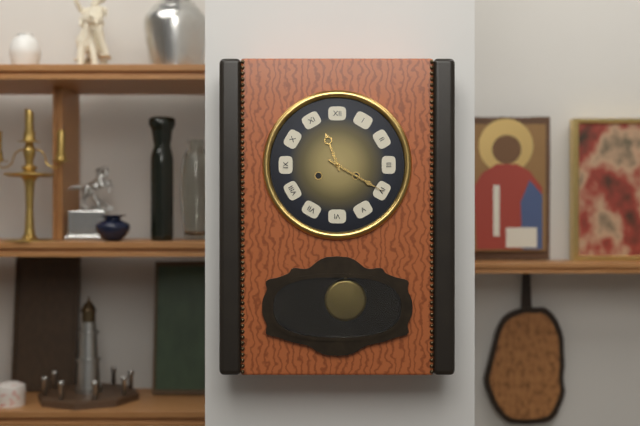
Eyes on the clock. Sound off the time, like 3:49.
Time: 11:20
